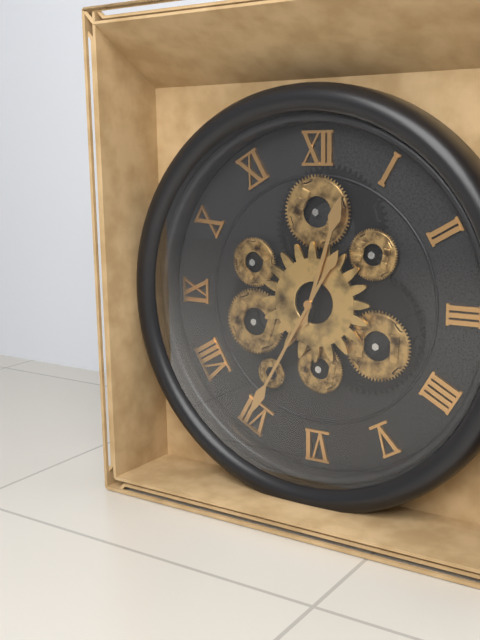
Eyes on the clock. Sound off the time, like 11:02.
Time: 12:35
